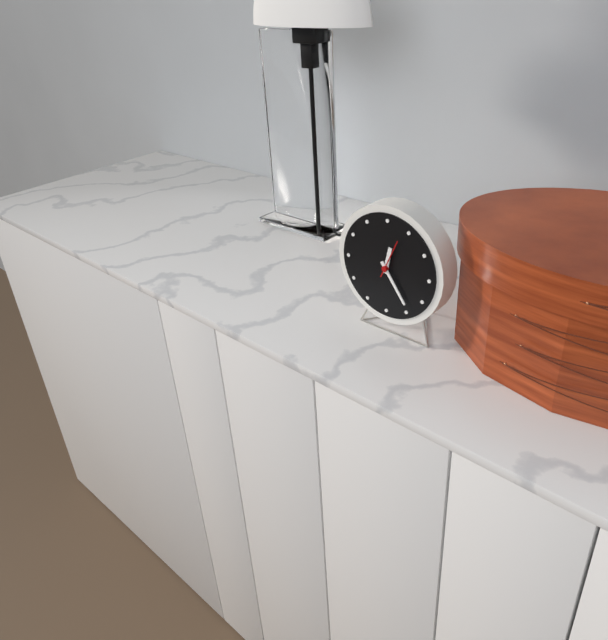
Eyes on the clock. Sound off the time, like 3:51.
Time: 12:24
